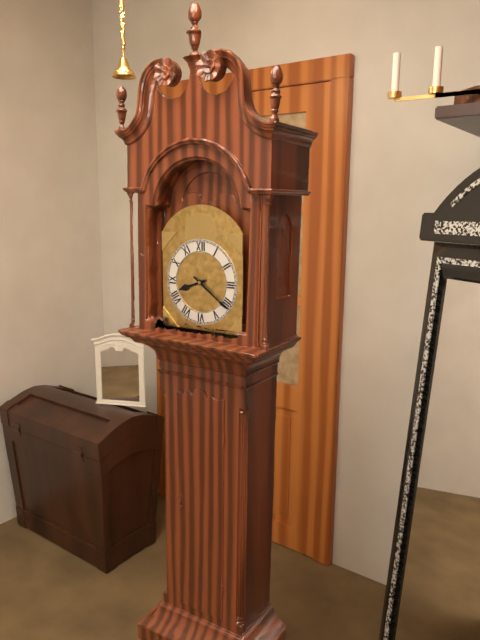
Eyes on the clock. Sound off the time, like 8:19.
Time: 8:21
